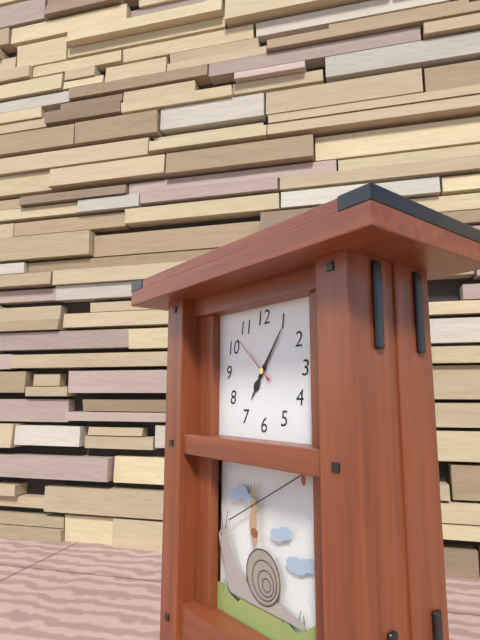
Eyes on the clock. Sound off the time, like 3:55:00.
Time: 7:06:52
